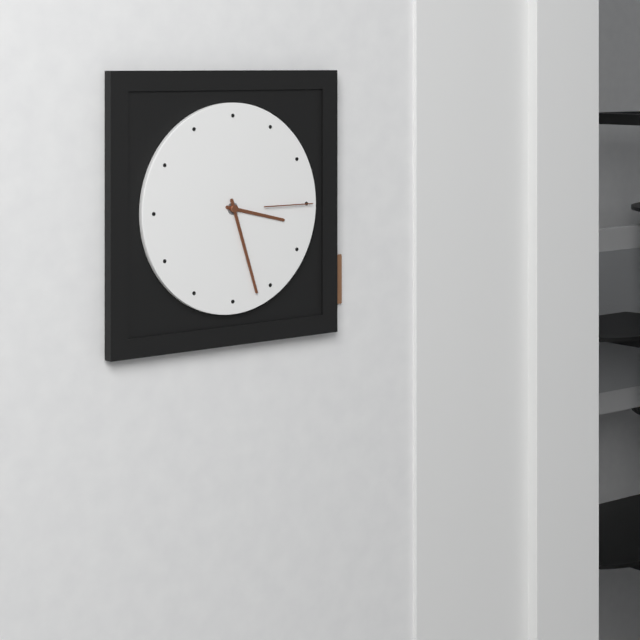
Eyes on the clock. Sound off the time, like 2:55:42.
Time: 3:27:15
